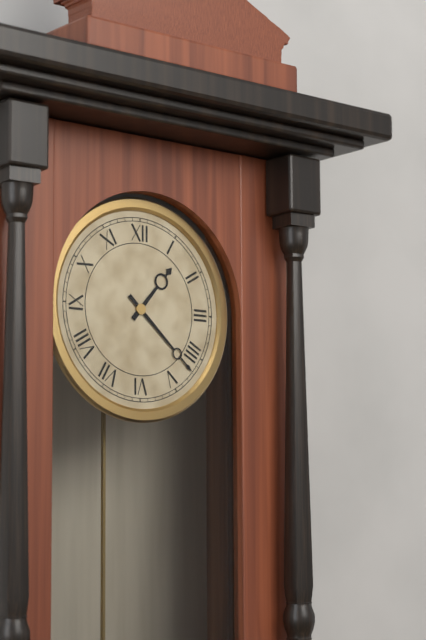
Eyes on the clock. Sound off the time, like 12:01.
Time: 1:22
